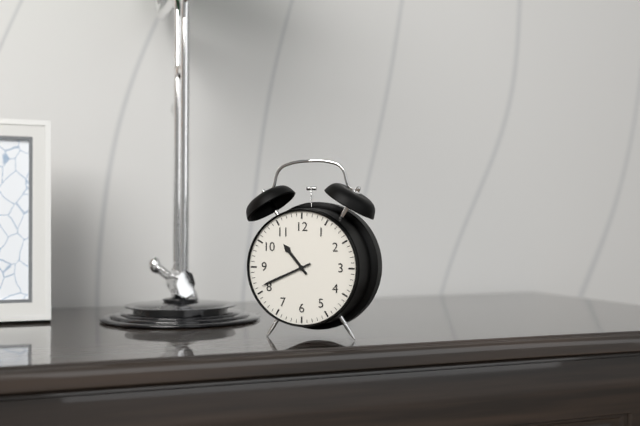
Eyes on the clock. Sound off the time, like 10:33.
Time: 10:41
